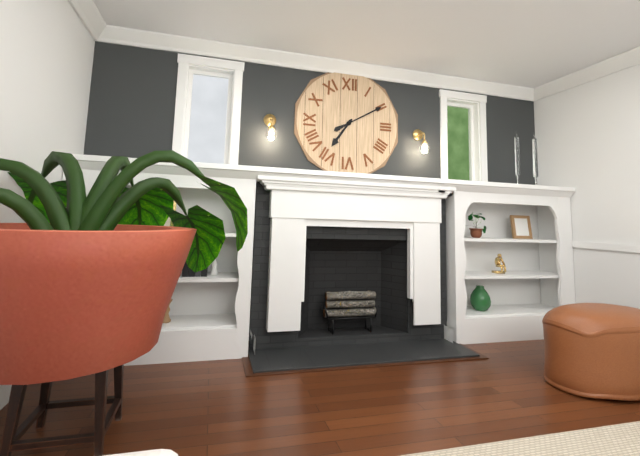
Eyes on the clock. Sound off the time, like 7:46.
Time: 7:10
